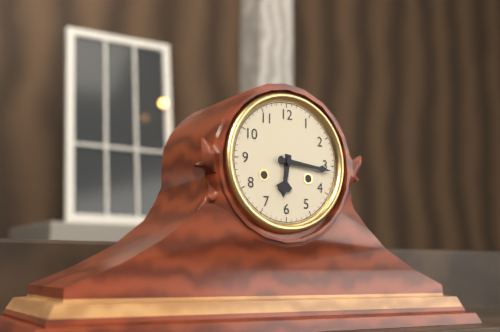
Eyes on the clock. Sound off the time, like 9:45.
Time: 6:16
